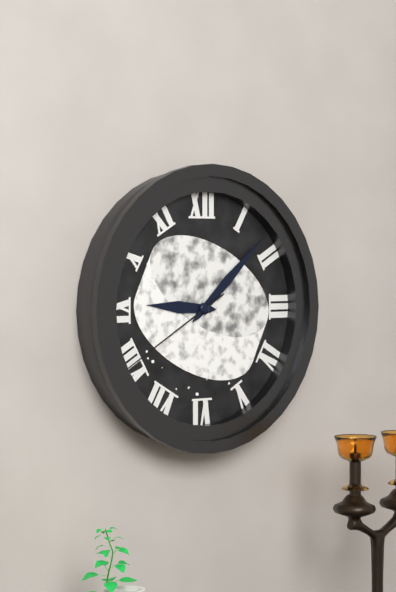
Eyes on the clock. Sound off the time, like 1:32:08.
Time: 9:08:40
